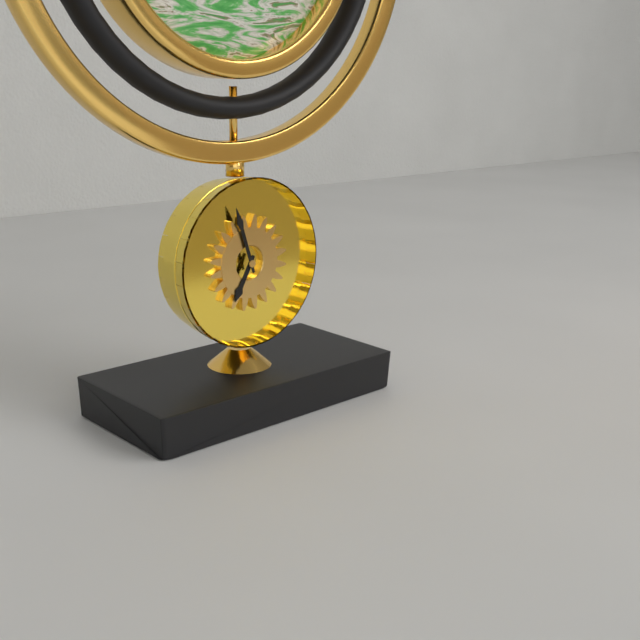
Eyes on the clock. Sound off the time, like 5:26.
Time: 6:57
